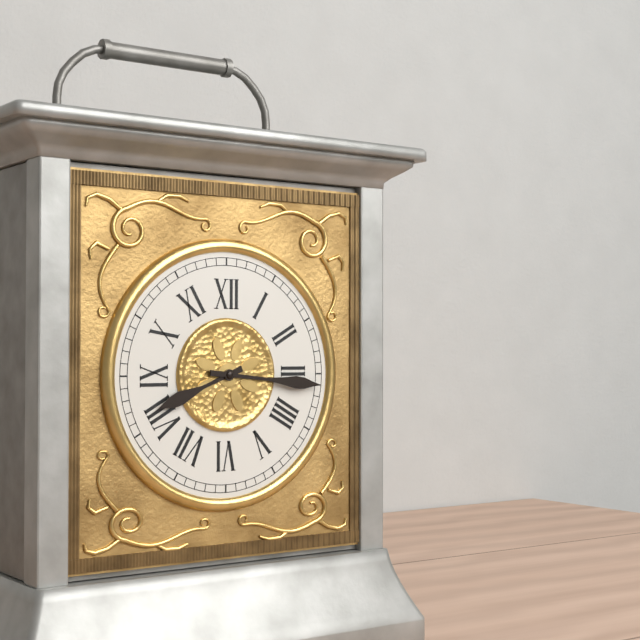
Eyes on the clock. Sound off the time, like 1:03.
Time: 8:16
